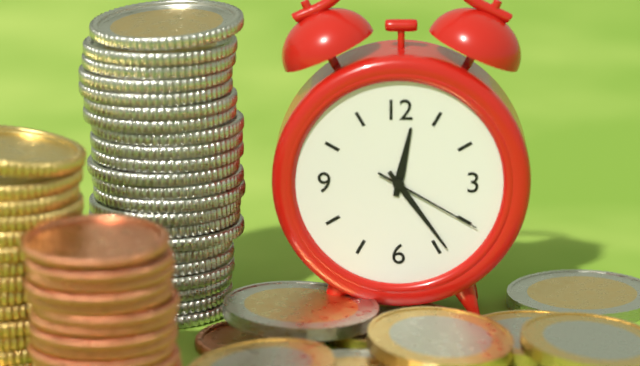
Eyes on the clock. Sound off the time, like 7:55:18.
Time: 12:24:20
